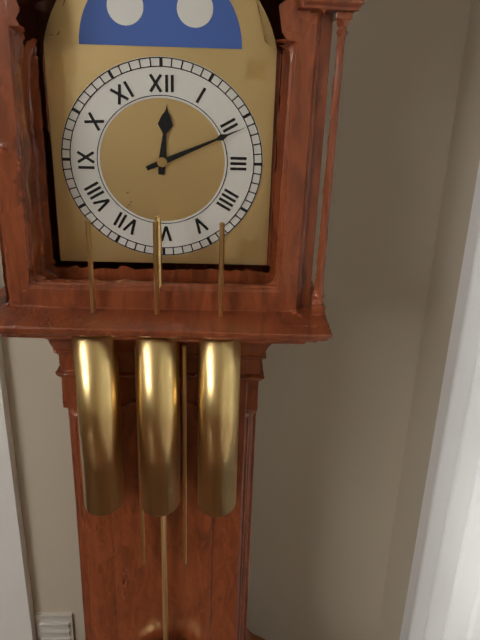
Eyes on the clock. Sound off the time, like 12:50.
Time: 12:11
